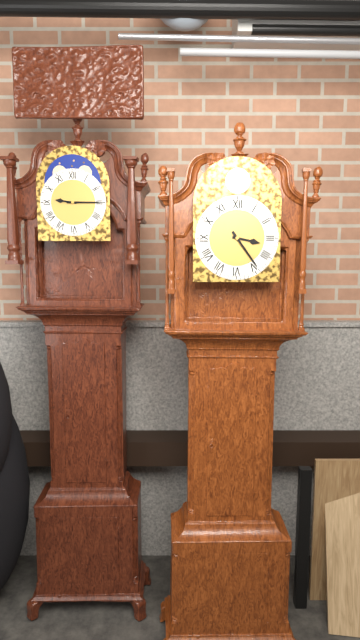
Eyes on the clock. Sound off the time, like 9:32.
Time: 3:24
